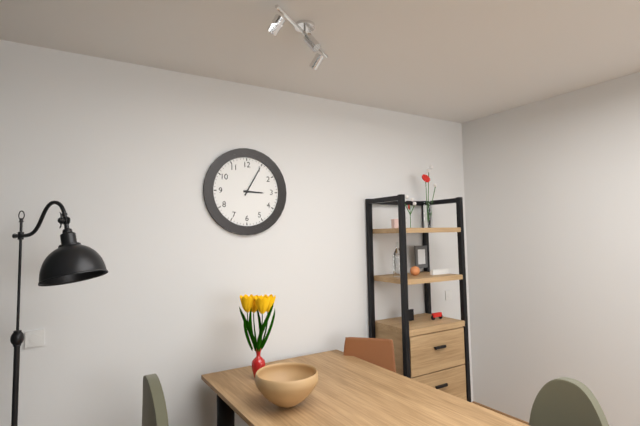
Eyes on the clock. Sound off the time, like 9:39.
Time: 3:05
